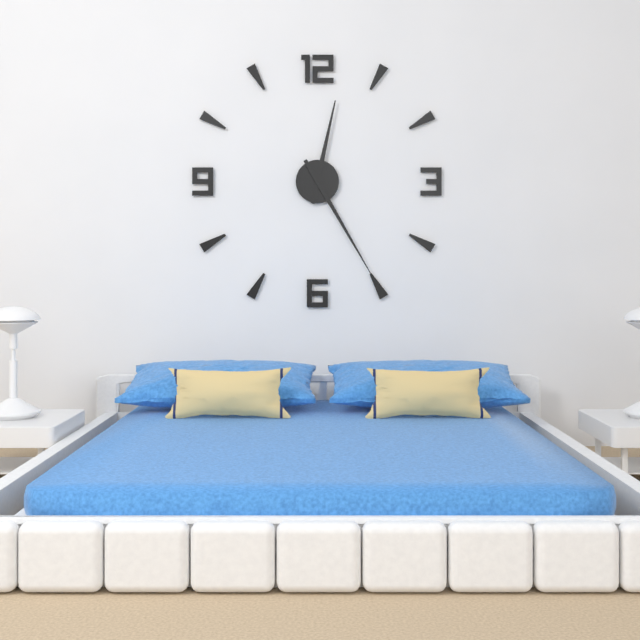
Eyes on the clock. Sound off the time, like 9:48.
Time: 12:25
